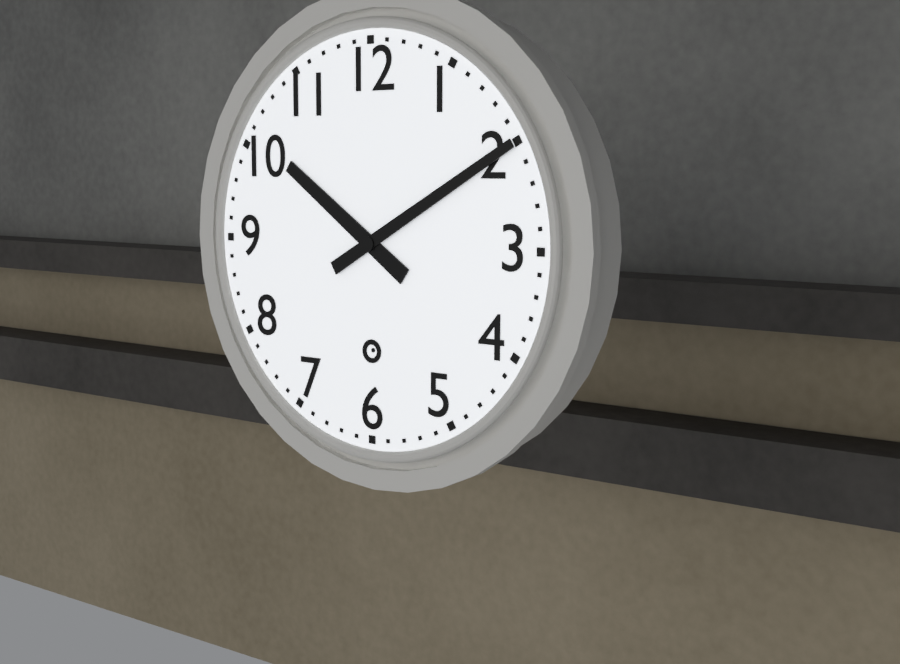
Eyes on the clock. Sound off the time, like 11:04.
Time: 10:10
